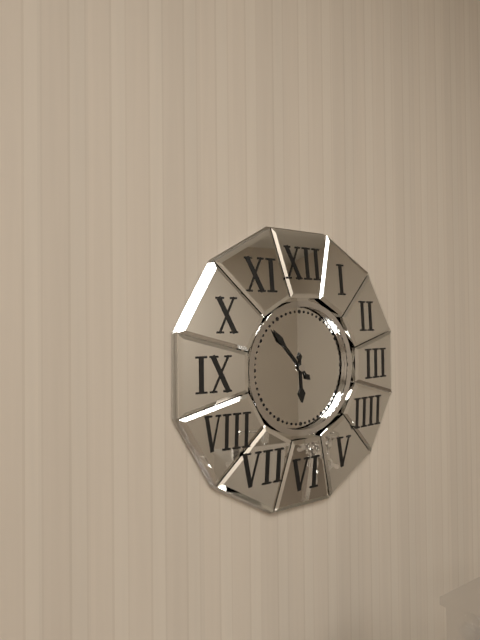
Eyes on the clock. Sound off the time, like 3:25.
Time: 5:53
